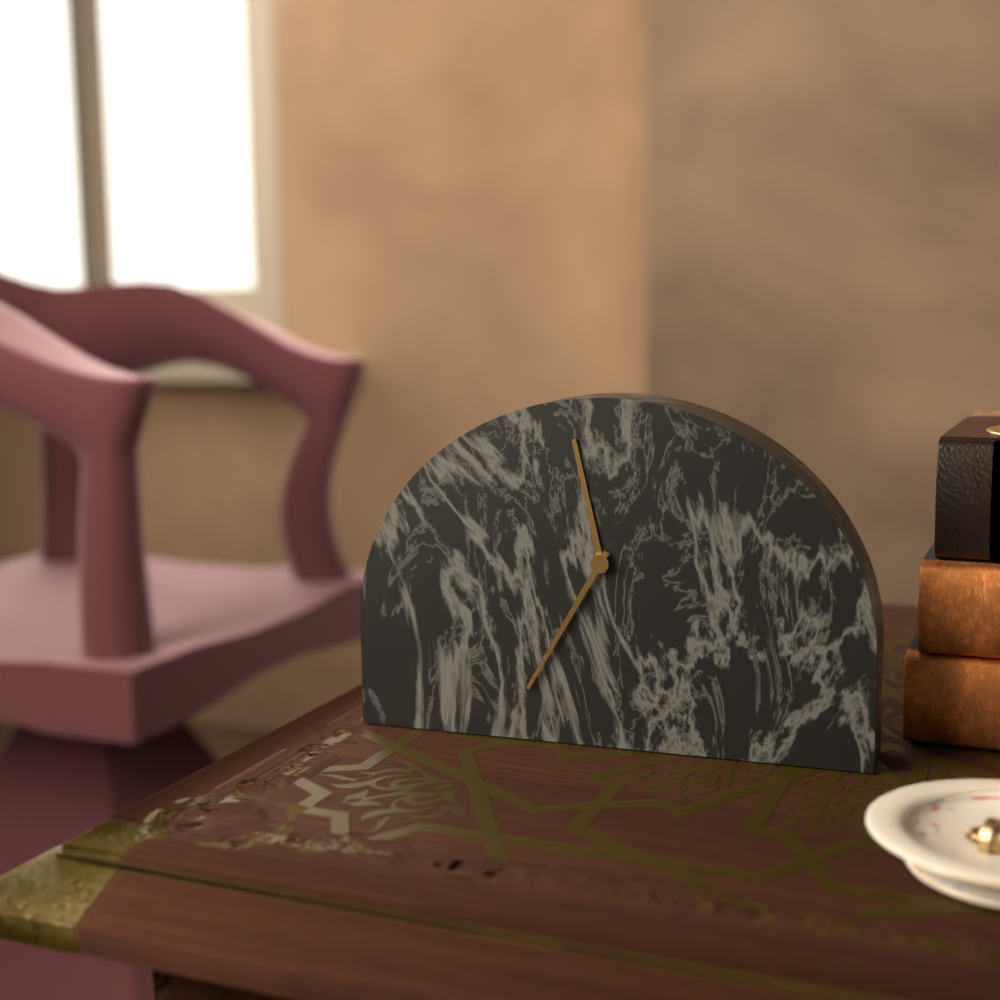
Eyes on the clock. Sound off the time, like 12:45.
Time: 11:35
